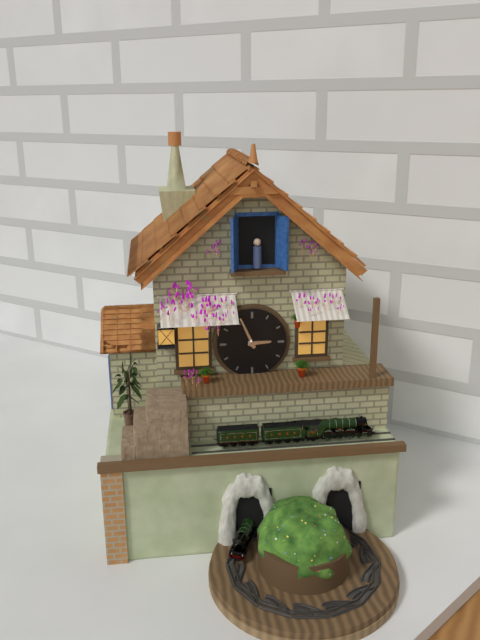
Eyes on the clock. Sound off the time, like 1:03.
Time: 2:56
